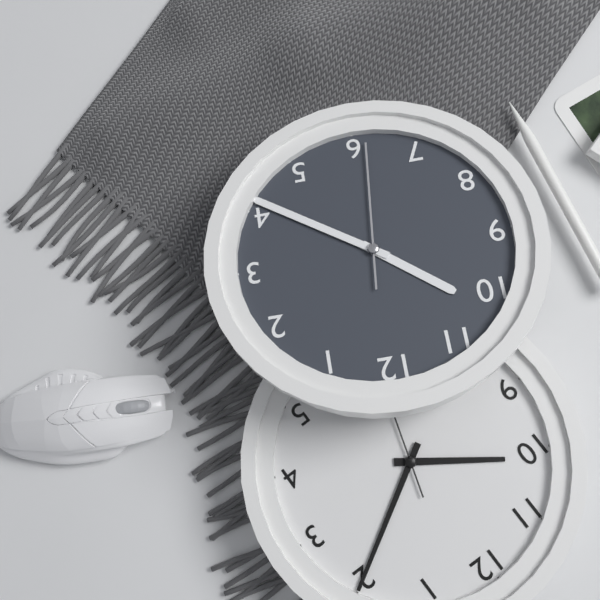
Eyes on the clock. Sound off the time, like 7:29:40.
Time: 10:21:31
